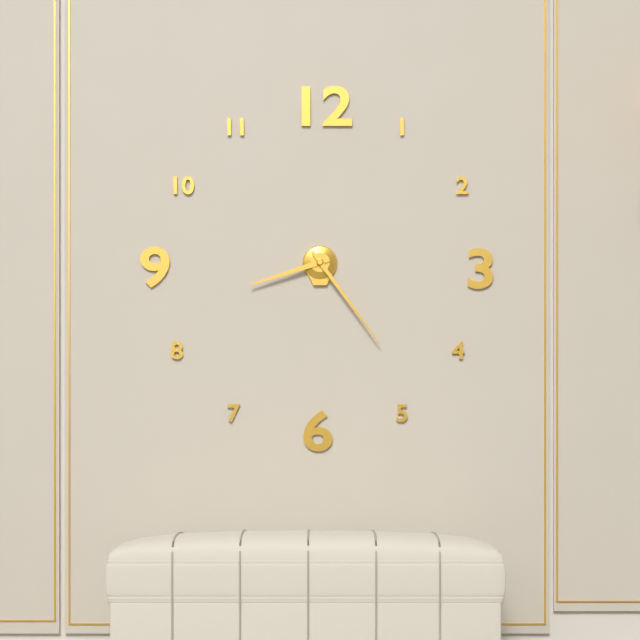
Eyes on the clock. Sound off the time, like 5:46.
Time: 8:24
